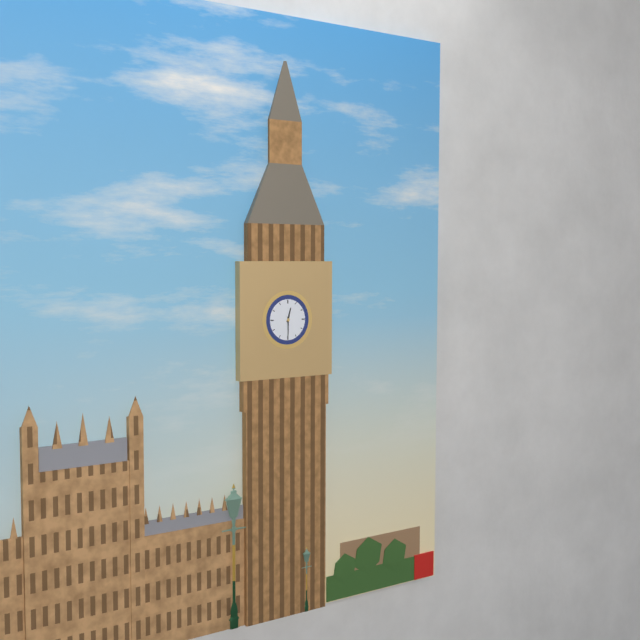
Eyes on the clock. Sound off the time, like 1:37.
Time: 12:30
